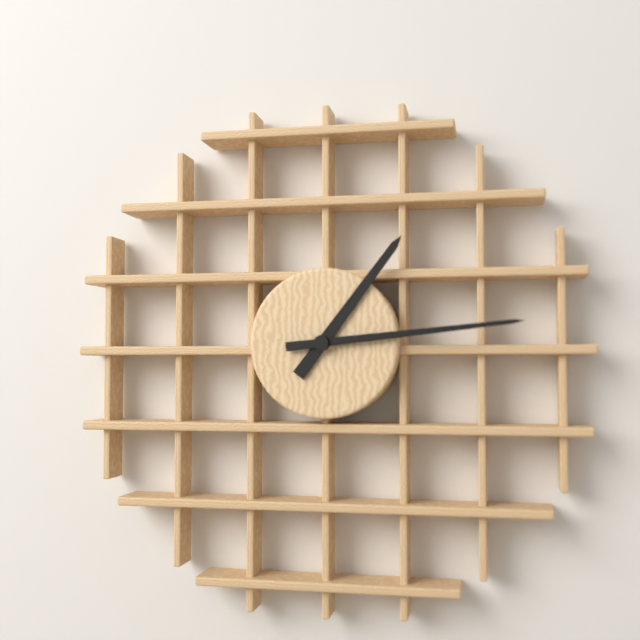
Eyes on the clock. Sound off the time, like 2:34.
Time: 1:14
